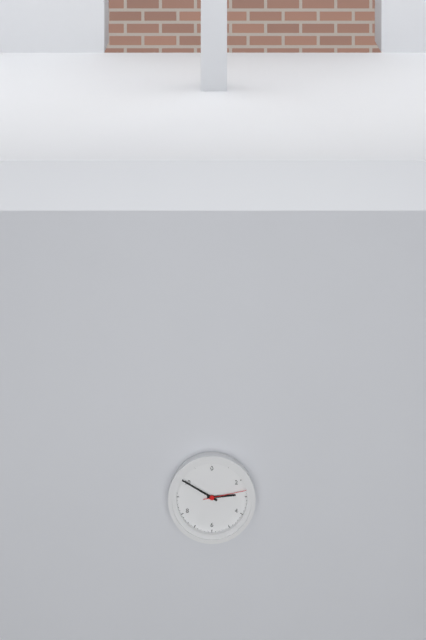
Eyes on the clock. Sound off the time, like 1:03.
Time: 2:50
